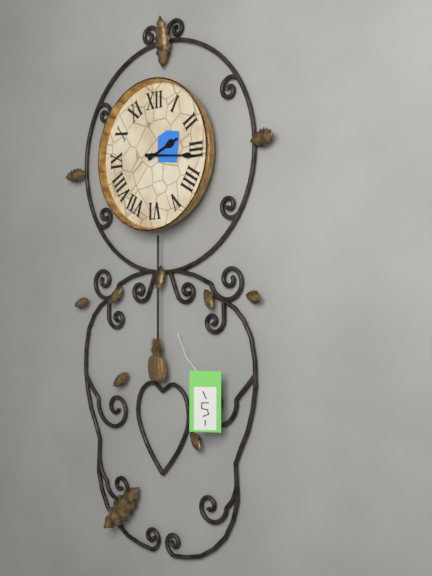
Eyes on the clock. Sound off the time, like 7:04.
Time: 2:16
